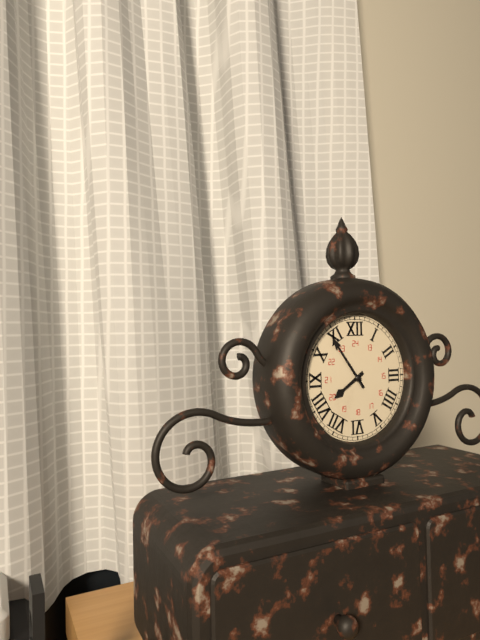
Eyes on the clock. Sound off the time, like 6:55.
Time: 7:54
